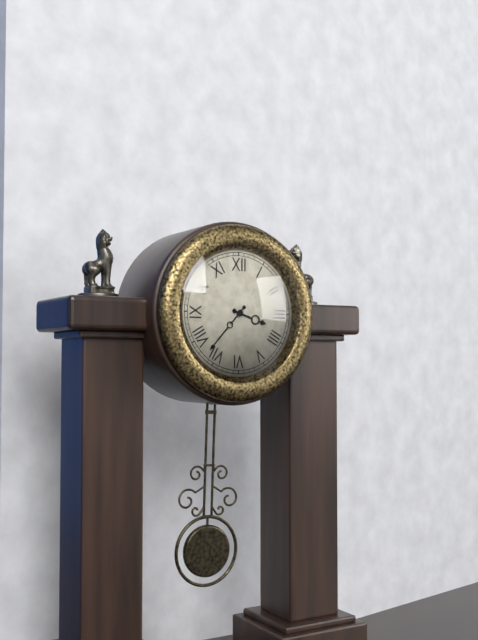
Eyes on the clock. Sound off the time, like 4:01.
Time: 3:37
